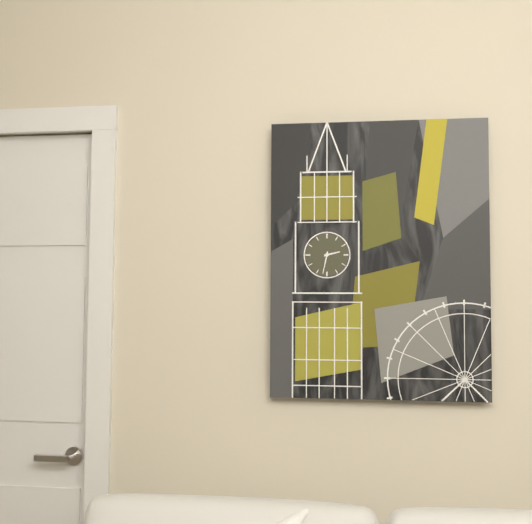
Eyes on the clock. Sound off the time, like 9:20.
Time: 2:32
